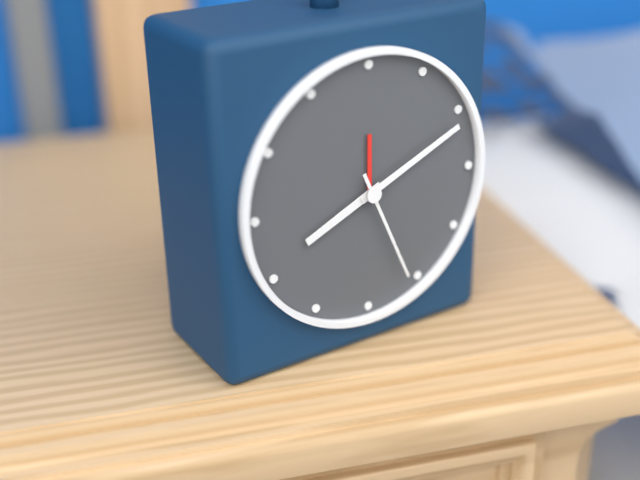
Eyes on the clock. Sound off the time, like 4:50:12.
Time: 8:11:26
